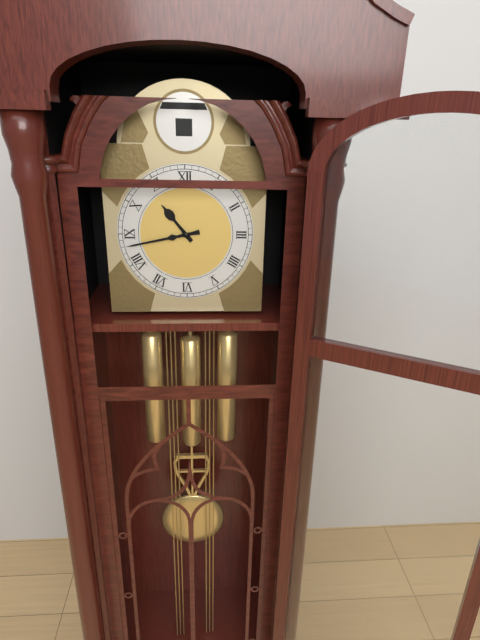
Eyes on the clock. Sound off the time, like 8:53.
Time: 10:43
